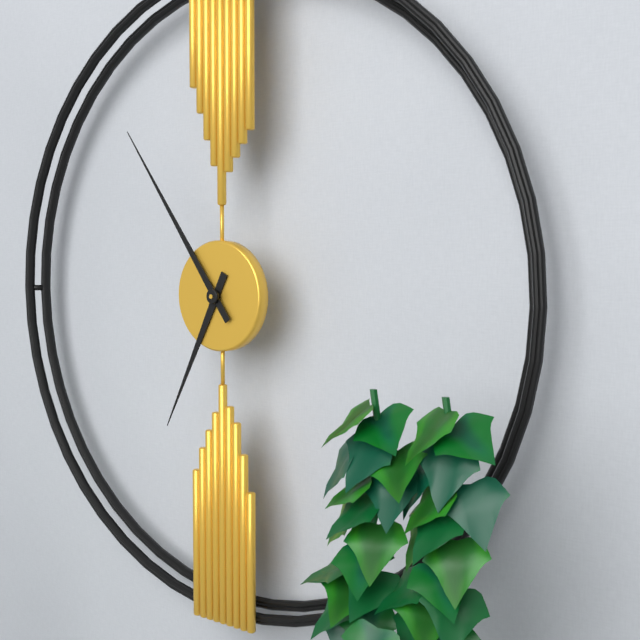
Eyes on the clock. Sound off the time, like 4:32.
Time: 6:54
